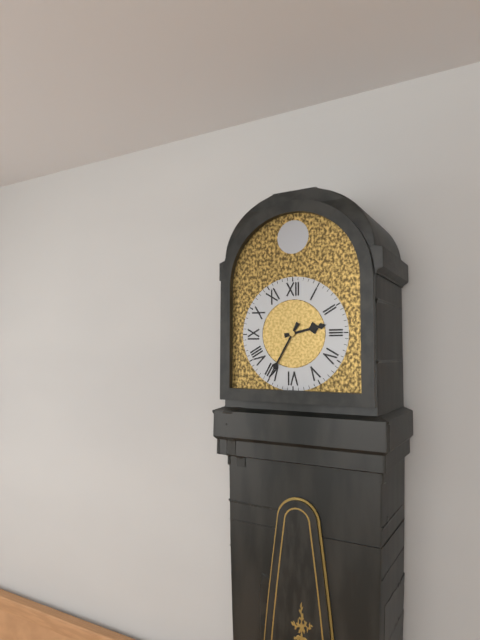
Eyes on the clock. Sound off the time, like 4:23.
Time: 2:35
